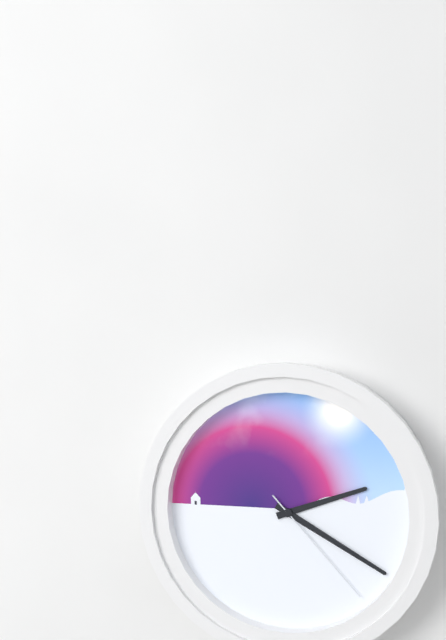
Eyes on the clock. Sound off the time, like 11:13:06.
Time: 2:20:23
